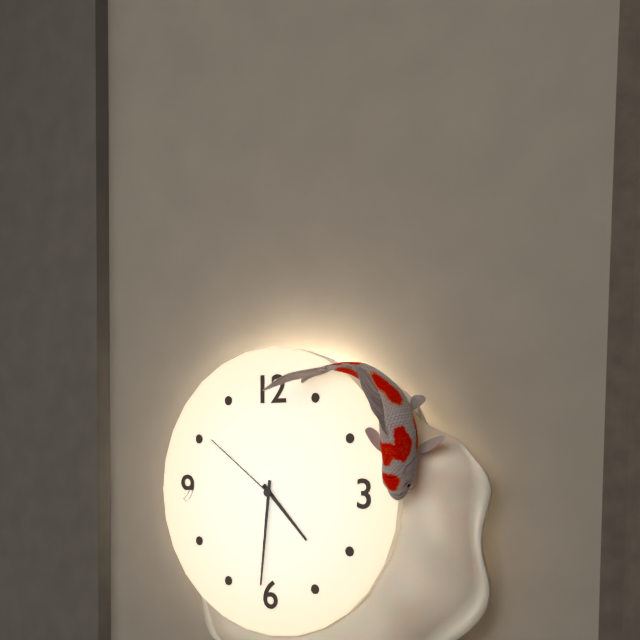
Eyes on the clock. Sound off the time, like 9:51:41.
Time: 4:31:51
